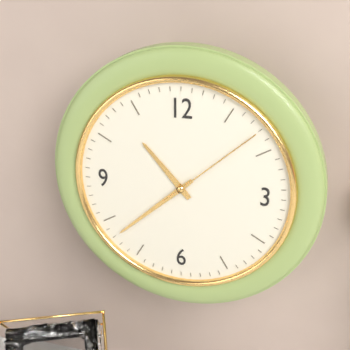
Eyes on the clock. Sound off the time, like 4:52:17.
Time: 10:38:08
